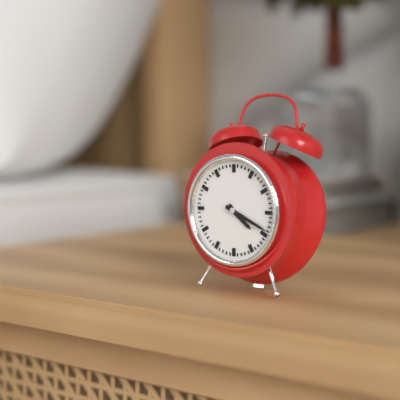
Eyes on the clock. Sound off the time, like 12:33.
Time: 4:19
